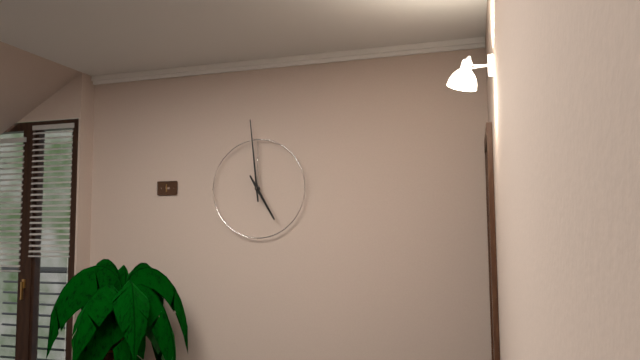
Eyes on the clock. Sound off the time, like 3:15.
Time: 4:59
